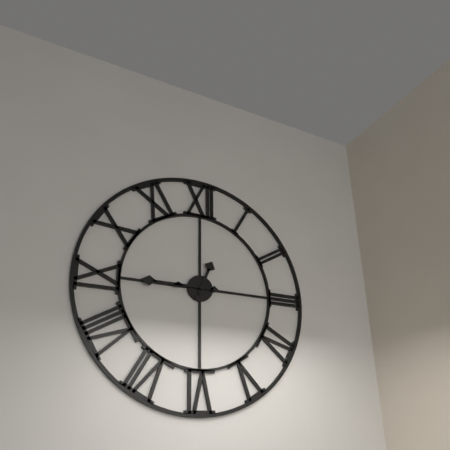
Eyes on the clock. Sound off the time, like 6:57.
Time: 12:45
